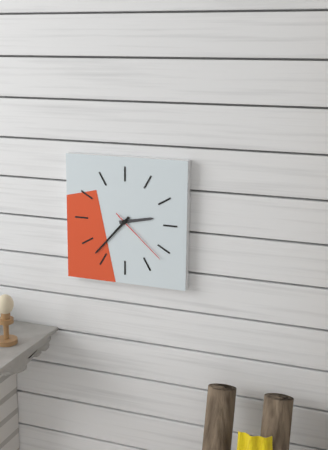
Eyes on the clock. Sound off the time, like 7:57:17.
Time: 2:37:22
